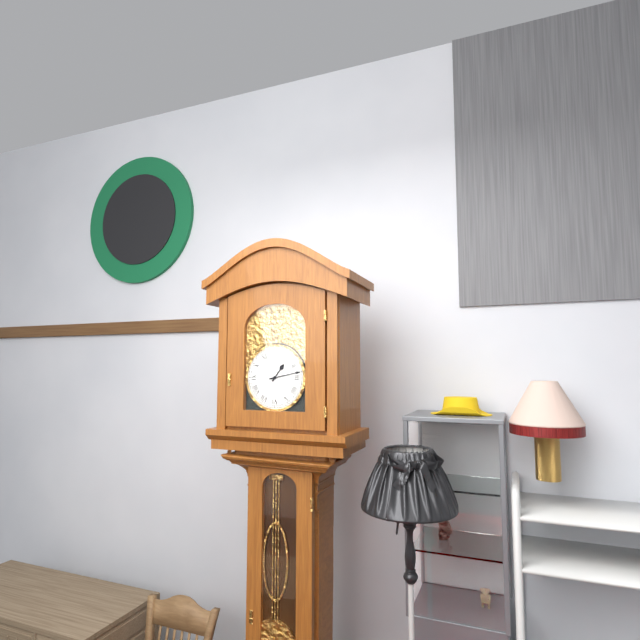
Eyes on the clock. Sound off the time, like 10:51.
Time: 1:13
